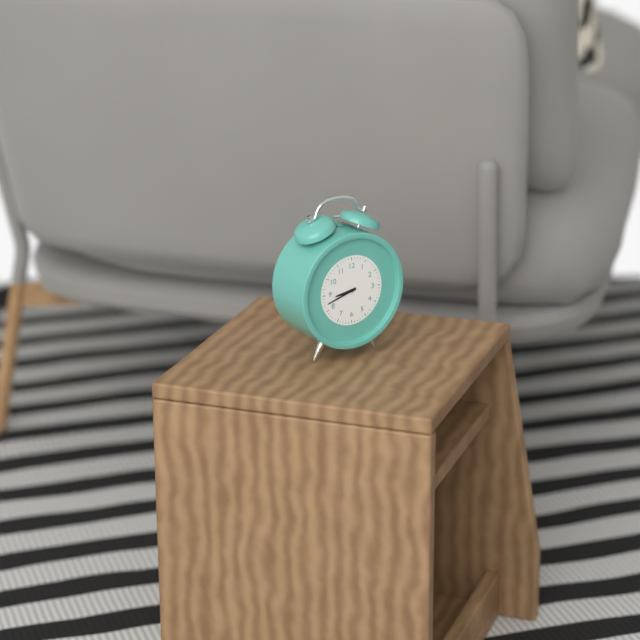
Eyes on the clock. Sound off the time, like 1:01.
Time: 8:42
